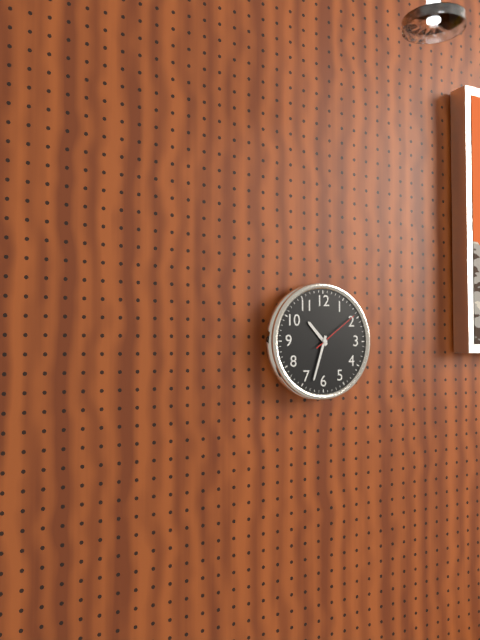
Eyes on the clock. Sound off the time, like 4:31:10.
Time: 10:33:09
